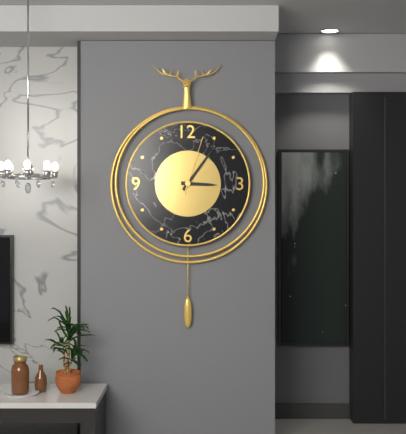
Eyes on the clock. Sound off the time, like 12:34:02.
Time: 3:06:03
